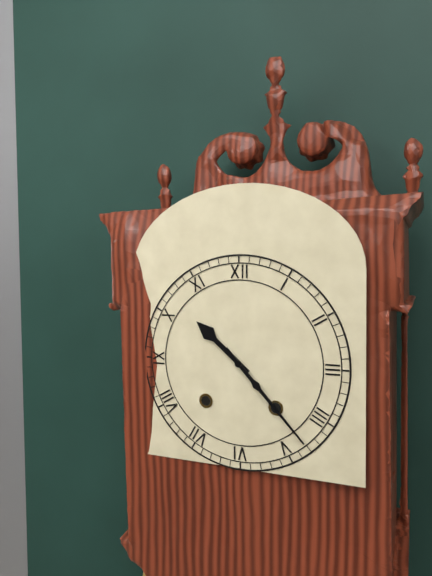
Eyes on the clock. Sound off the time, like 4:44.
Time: 10:23
